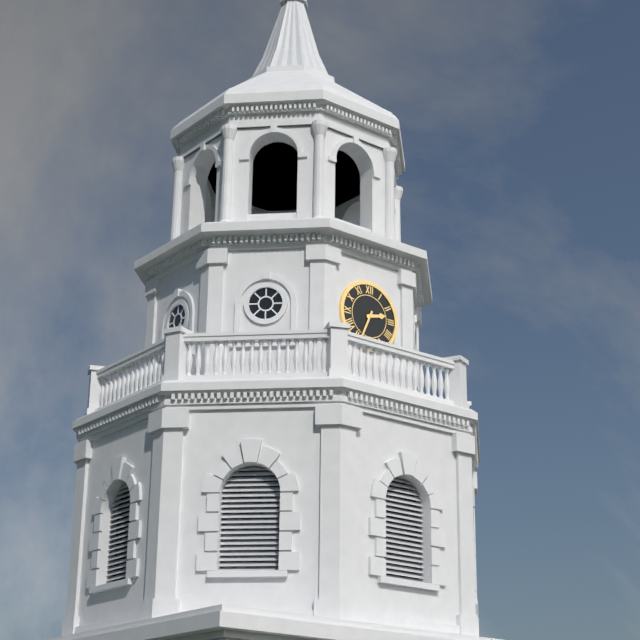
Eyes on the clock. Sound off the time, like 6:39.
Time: 2:34
